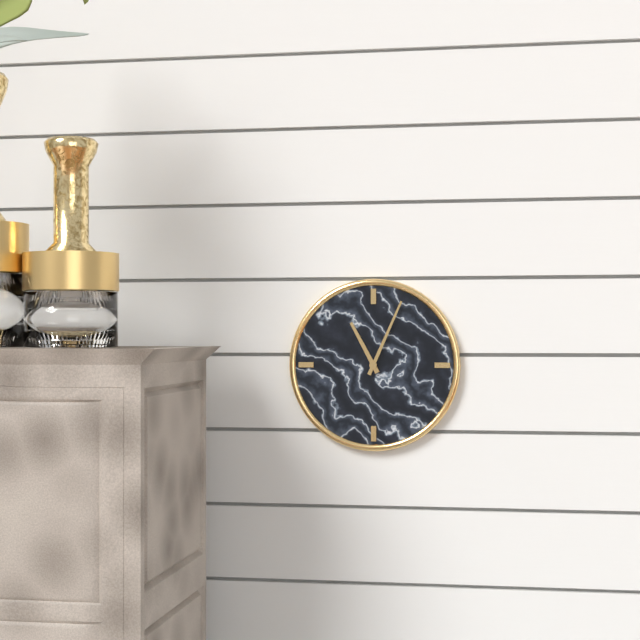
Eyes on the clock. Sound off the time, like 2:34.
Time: 11:04
